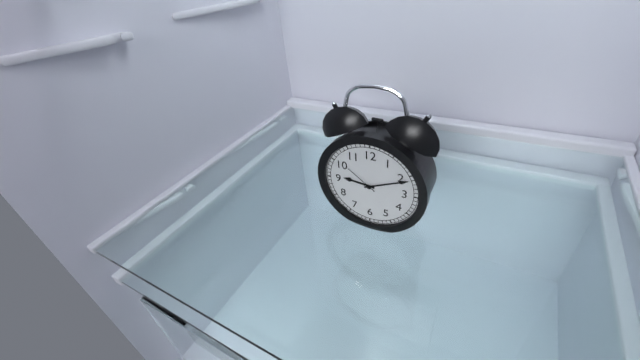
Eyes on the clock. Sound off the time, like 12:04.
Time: 9:11
